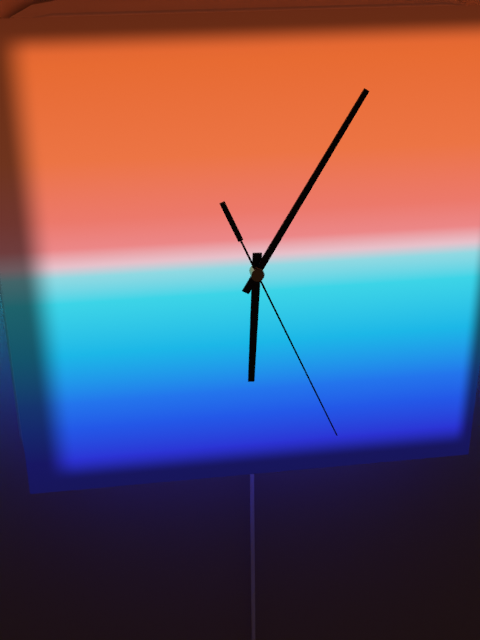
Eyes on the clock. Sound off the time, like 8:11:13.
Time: 6:05:26
